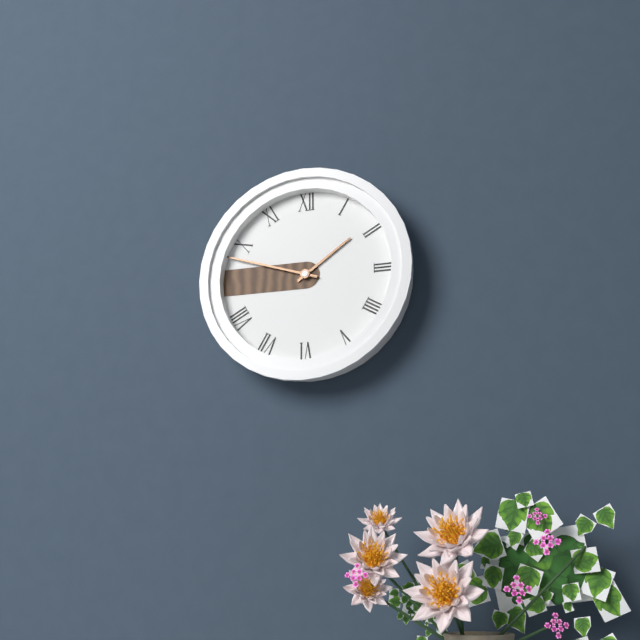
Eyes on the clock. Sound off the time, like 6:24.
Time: 1:48
